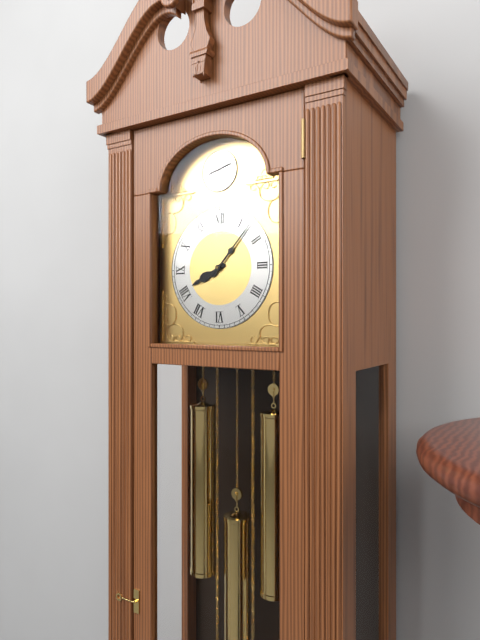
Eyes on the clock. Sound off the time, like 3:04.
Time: 8:07
